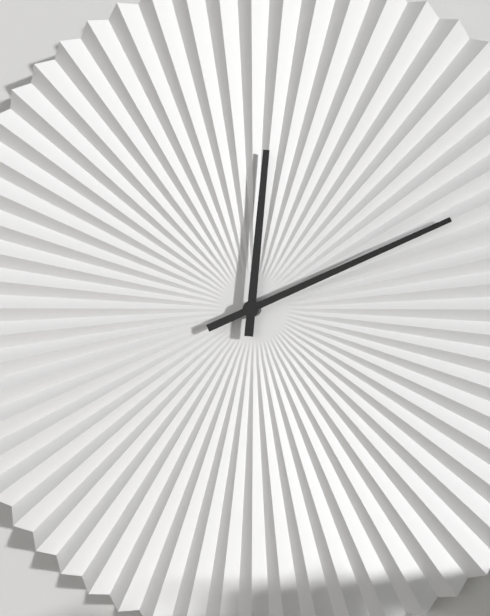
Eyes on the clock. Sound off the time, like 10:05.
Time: 12:11
